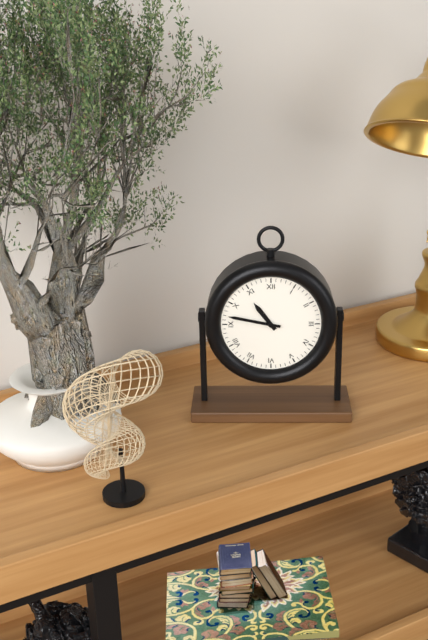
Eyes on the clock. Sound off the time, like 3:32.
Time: 10:47
